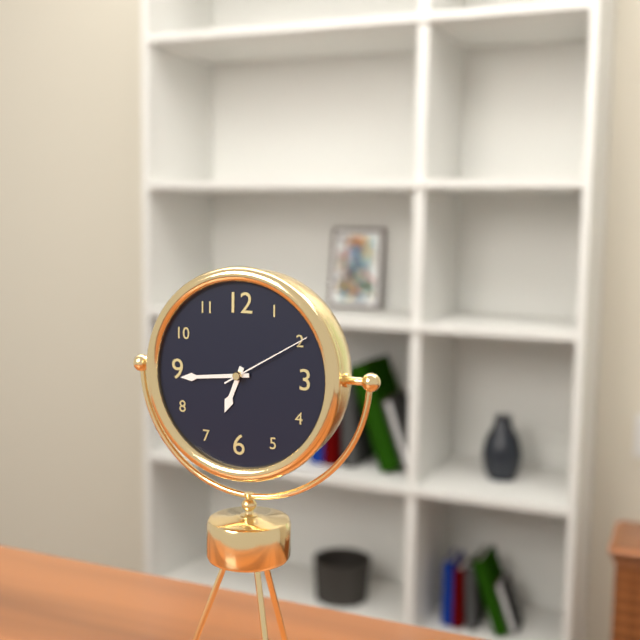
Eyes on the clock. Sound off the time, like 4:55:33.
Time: 6:44:10
